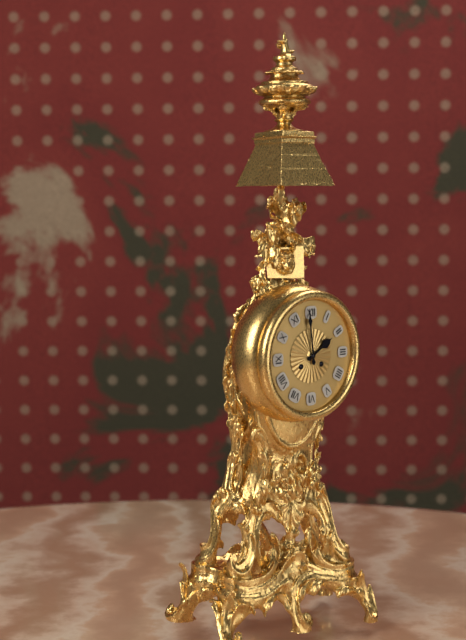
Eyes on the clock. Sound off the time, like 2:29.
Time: 1:59
